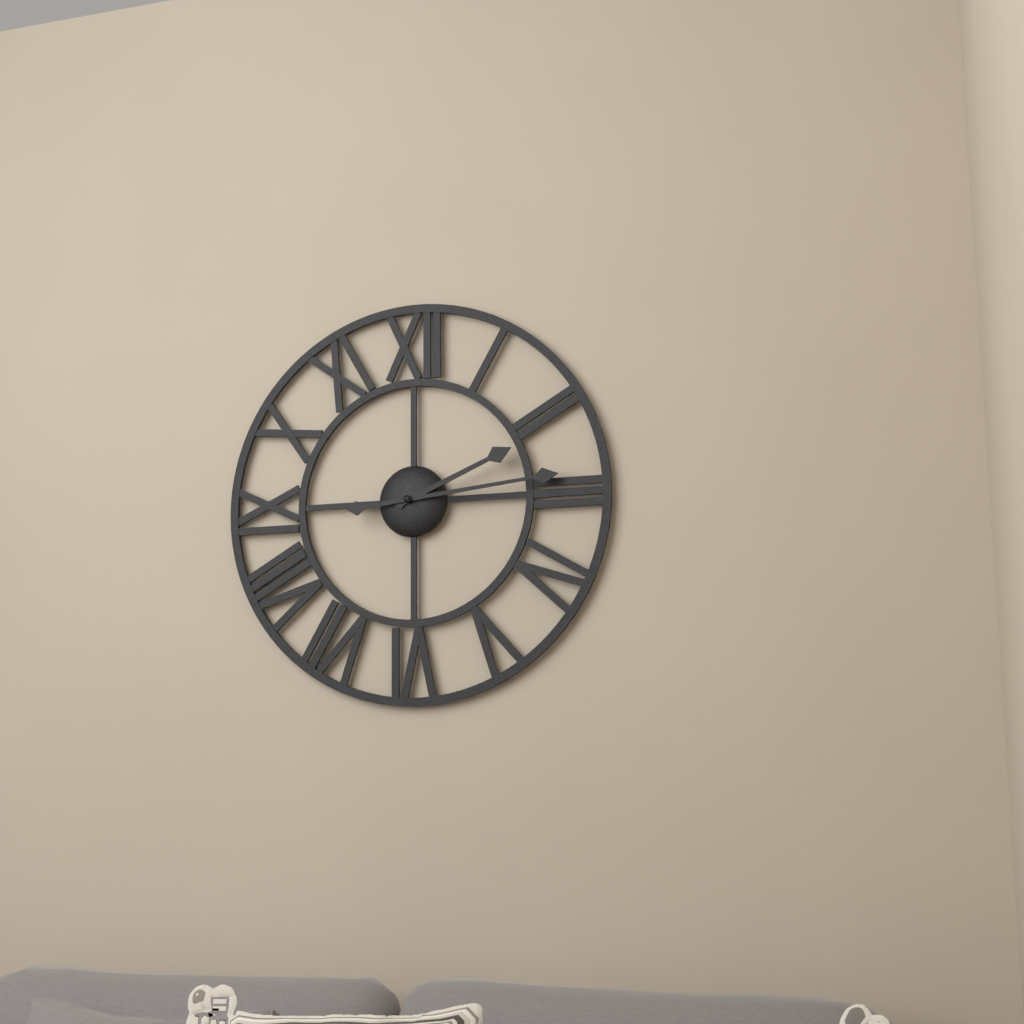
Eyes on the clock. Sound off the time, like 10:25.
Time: 2:14
